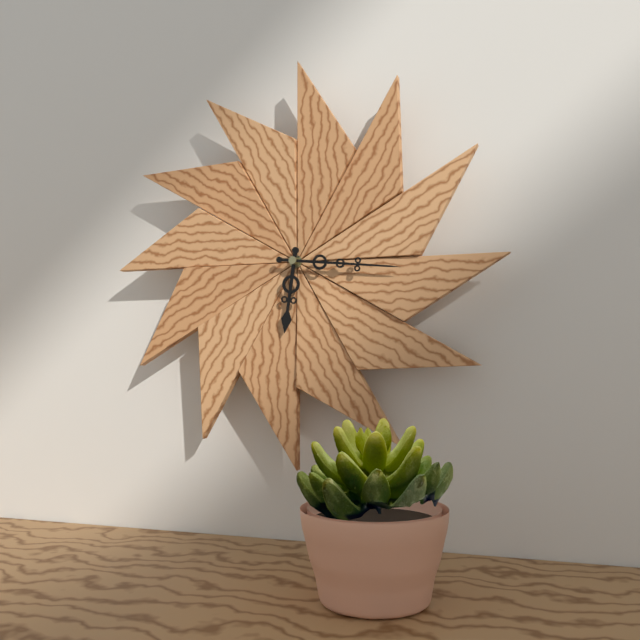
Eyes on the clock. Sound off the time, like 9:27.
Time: 6:16
